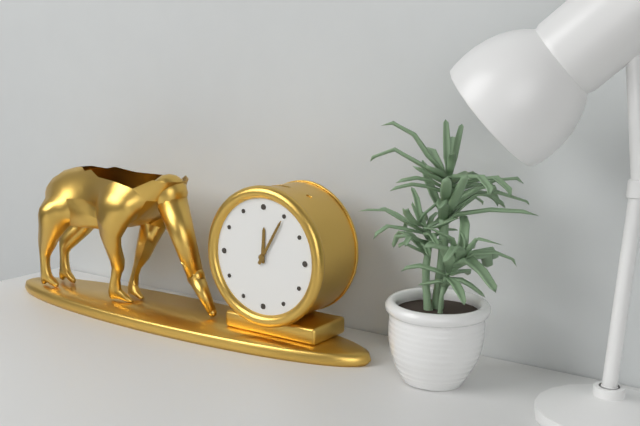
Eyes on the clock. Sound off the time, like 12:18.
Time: 12:05
